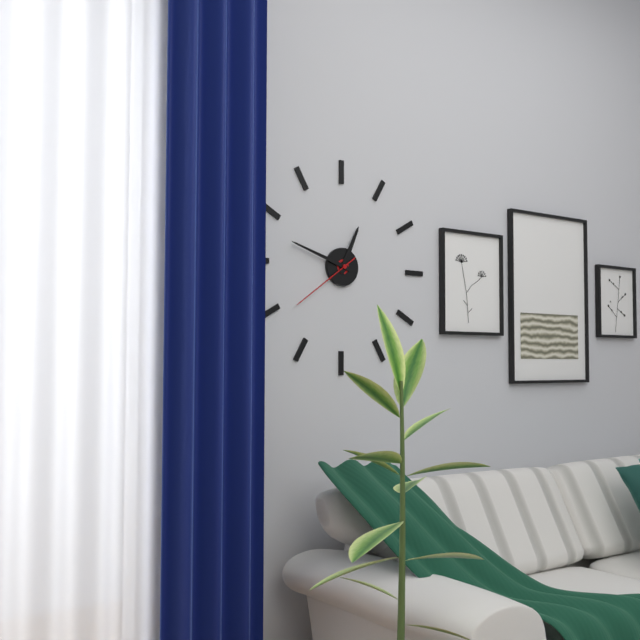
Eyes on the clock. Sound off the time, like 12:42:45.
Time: 12:48:39
